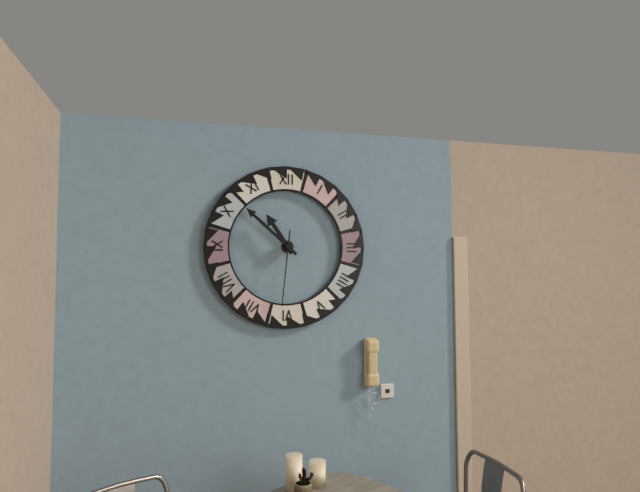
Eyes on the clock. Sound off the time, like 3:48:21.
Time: 10:52:31
